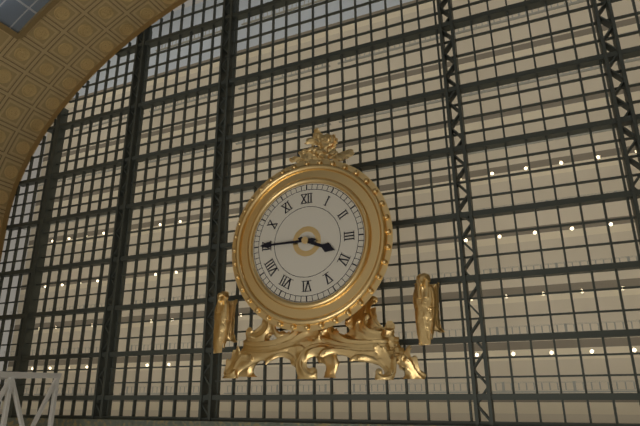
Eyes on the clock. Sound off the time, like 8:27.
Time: 3:45
